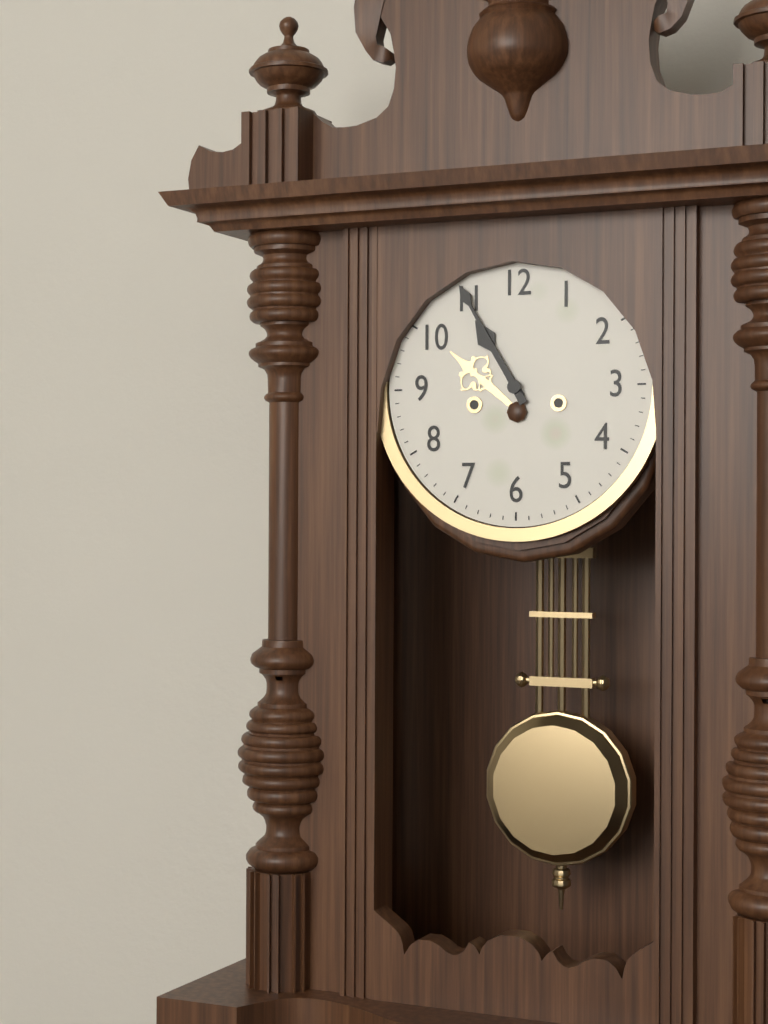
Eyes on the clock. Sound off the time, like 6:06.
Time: 10:55
